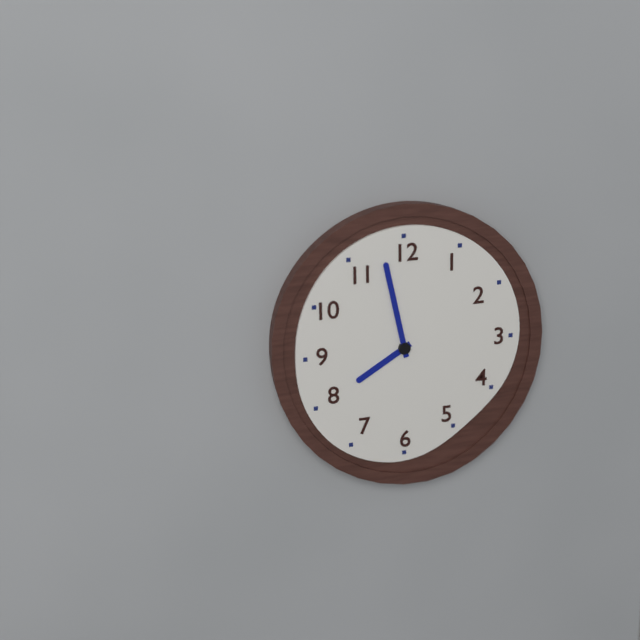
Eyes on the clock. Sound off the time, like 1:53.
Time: 7:58
